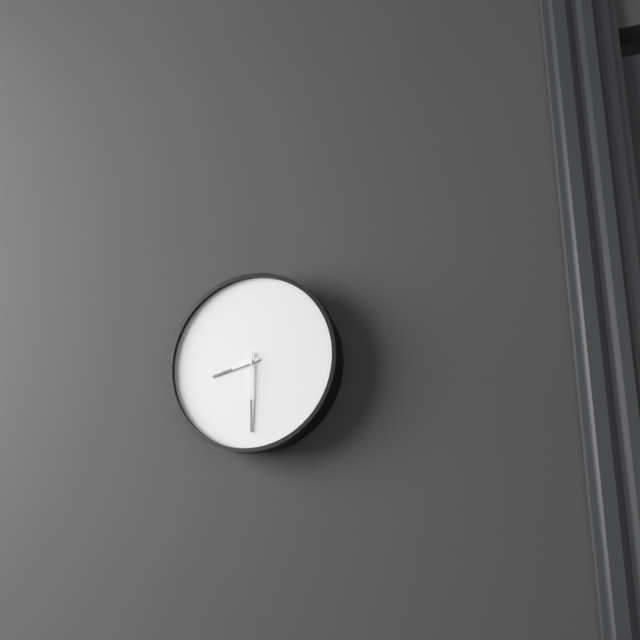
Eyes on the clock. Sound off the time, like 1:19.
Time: 8:30
